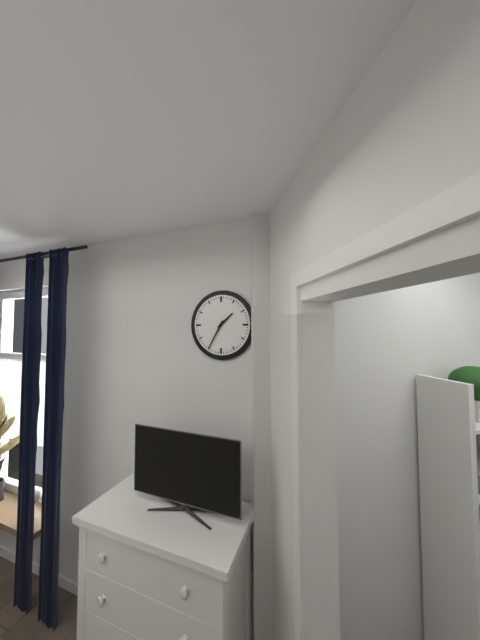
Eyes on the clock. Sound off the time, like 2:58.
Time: 1:35
